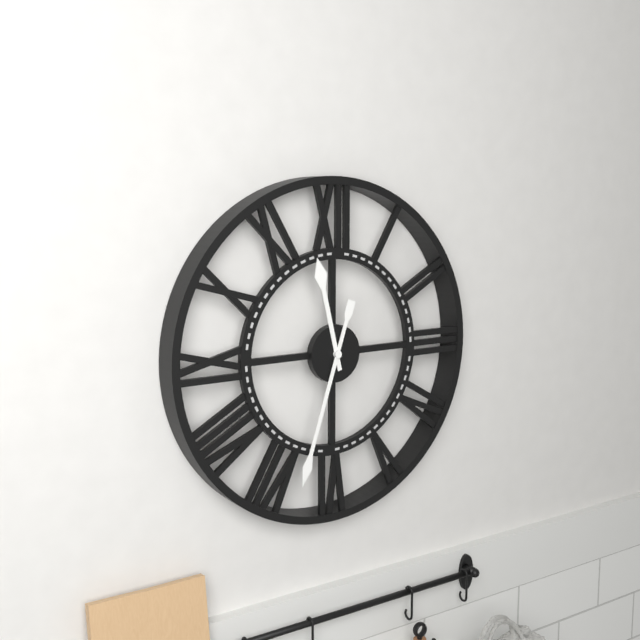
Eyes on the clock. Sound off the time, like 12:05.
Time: 11:33
